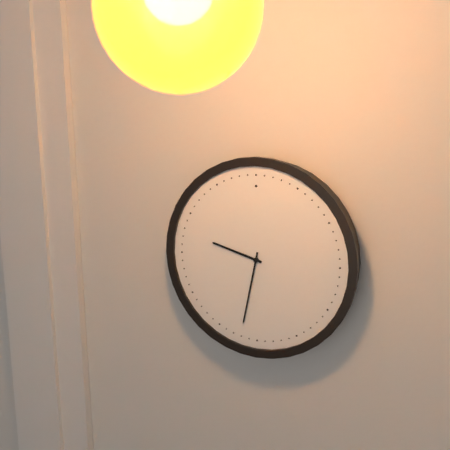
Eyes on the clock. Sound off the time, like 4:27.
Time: 9:32
